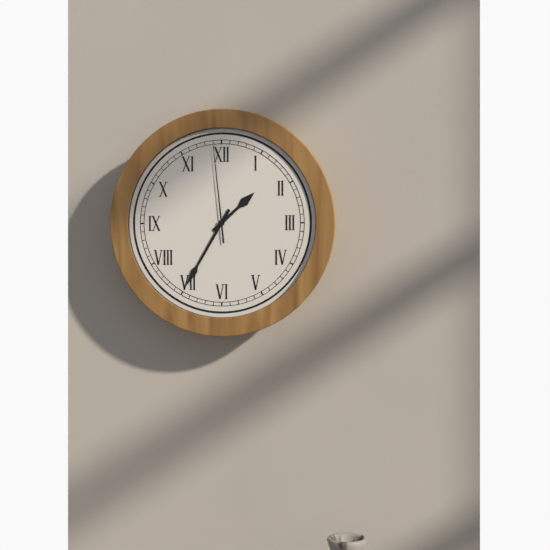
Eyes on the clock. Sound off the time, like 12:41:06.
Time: 1:35:59
